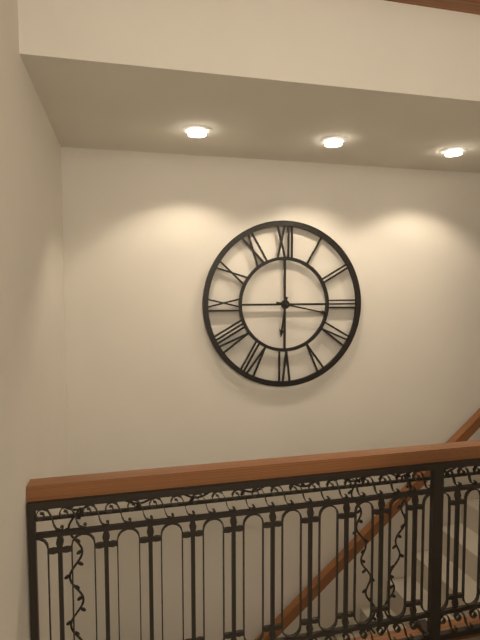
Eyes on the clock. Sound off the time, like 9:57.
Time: 6:17
